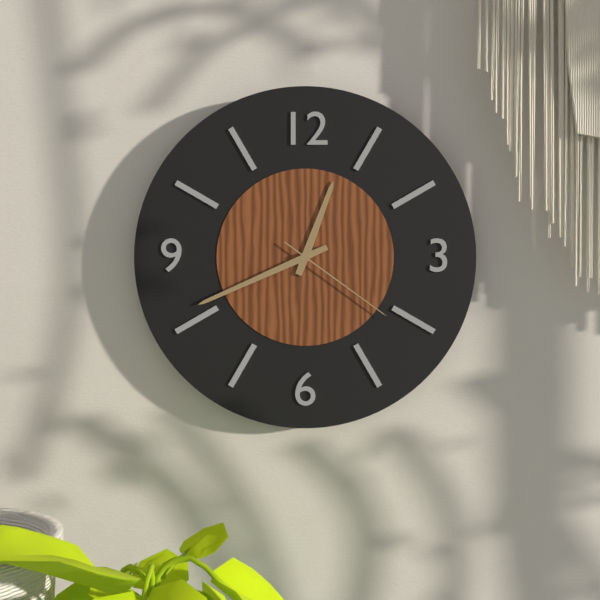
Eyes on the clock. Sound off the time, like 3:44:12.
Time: 12:41:21
